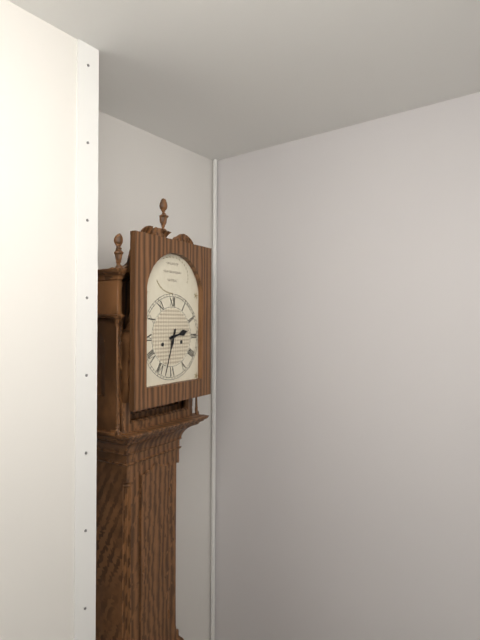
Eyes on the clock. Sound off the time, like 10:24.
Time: 2:33
